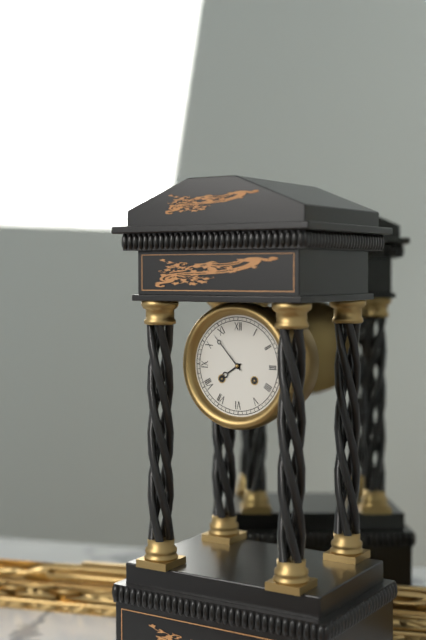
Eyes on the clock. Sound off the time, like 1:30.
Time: 7:53
